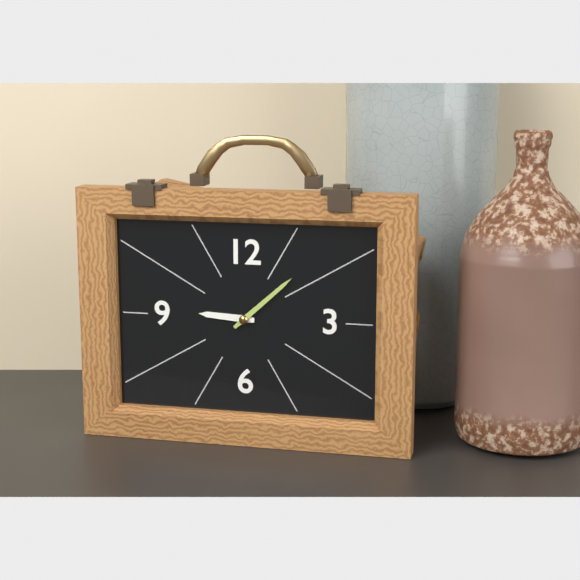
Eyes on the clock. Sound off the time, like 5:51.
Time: 9:08
